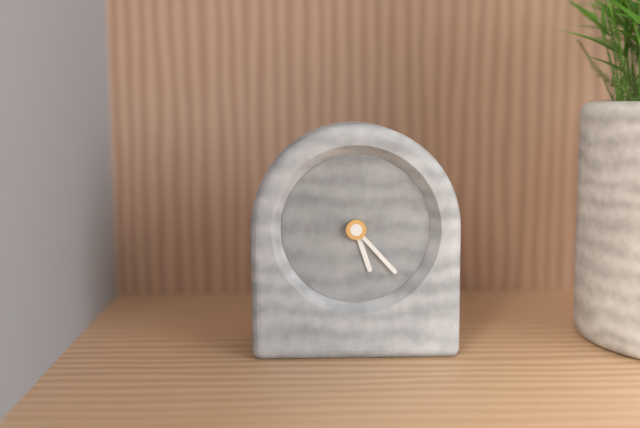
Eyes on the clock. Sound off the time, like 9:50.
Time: 5:23
